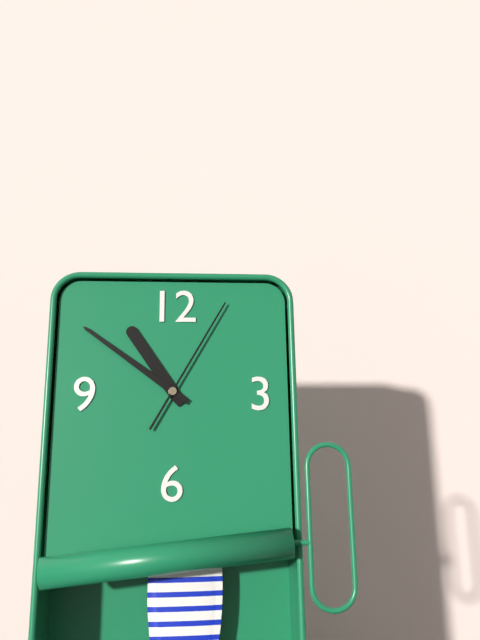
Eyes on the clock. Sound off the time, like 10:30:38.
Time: 10:51:05
